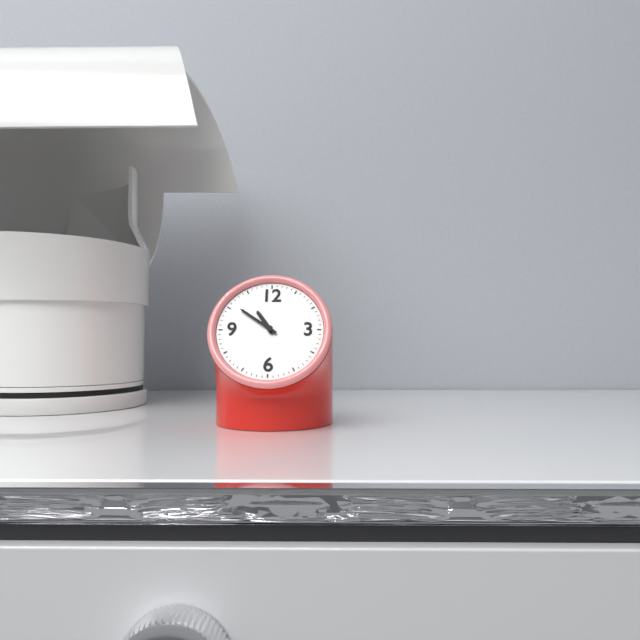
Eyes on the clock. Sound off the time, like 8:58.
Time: 10:51
